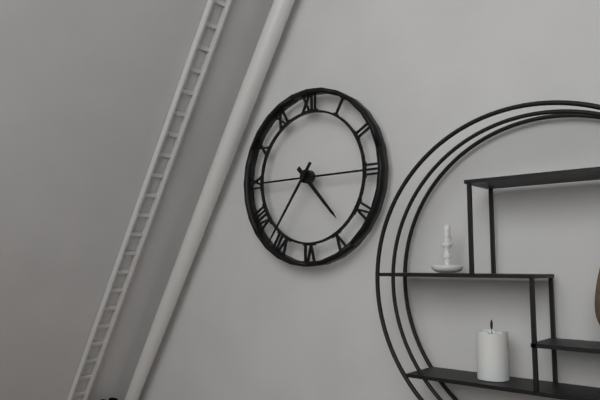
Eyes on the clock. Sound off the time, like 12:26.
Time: 4:36
